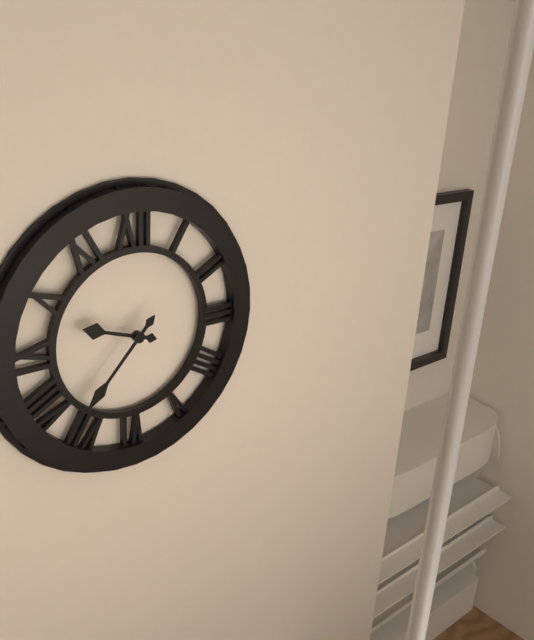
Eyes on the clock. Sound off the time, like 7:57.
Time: 9:37
